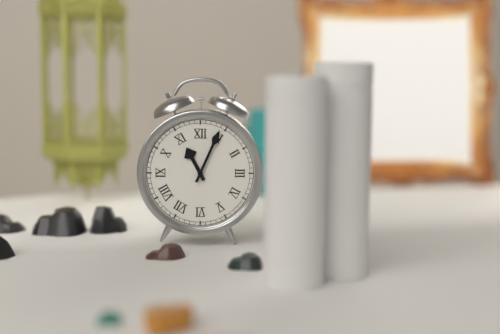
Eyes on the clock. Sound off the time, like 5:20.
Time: 11:04
